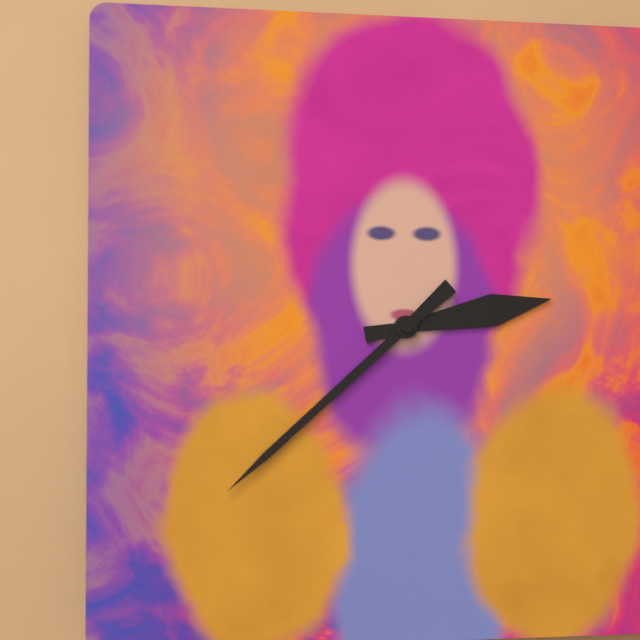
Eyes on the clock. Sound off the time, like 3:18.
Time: 2:38
